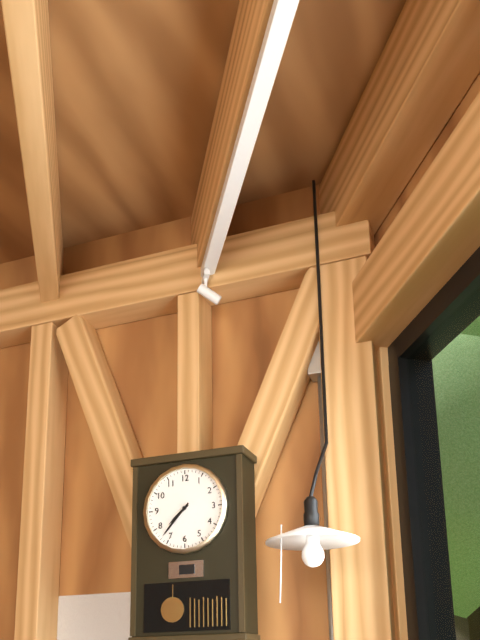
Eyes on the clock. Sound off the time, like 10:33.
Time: 7:37
